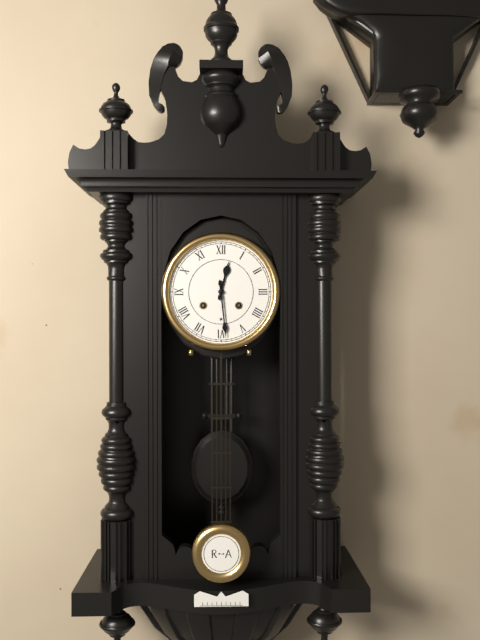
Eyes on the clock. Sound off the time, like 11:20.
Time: 12:29
